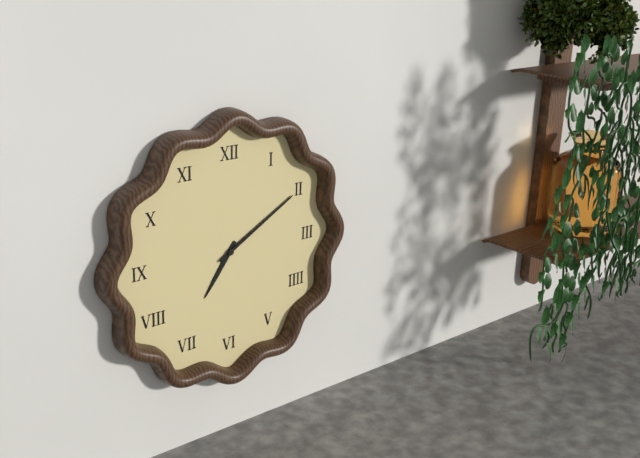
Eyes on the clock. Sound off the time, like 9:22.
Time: 7:10
